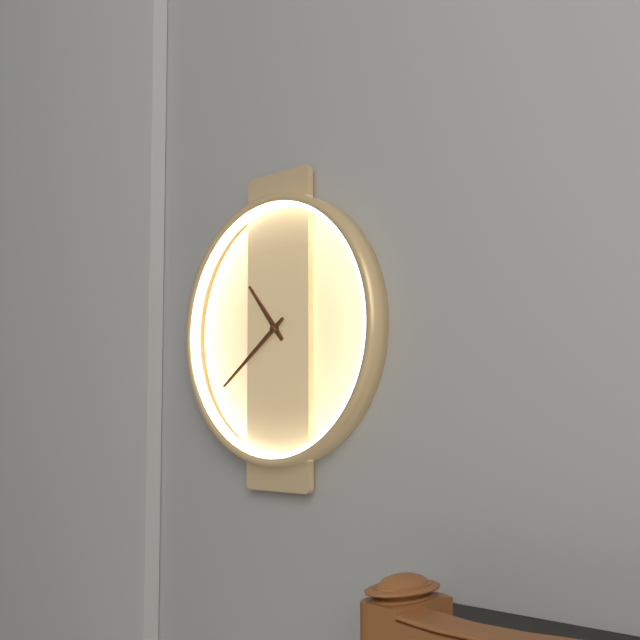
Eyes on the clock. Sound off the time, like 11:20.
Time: 10:39
